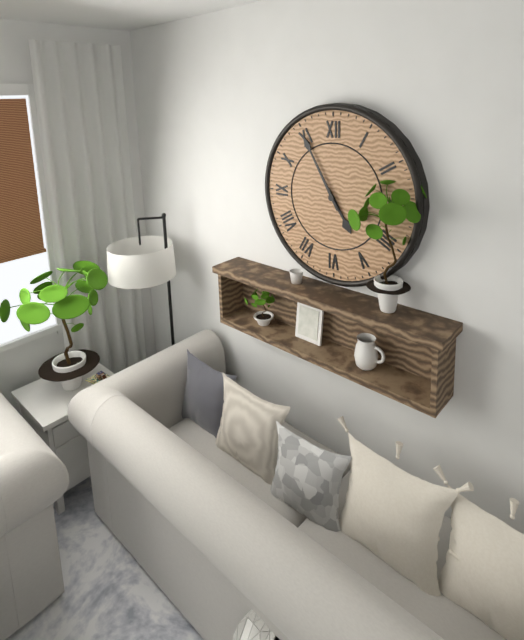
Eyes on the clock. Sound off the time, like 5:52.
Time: 4:55
